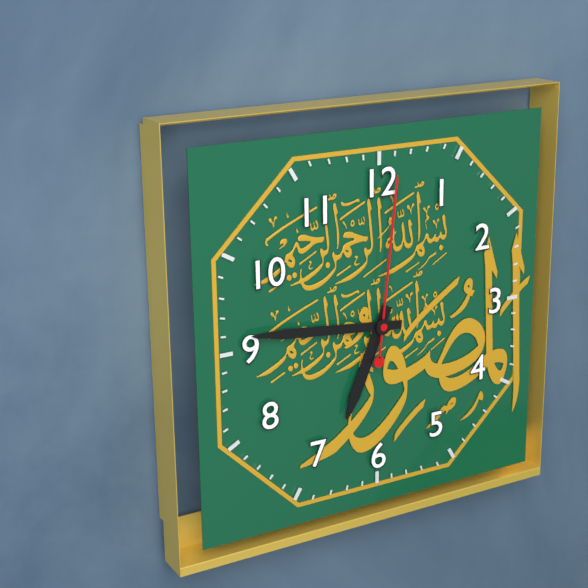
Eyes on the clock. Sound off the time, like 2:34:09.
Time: 6:46:01
